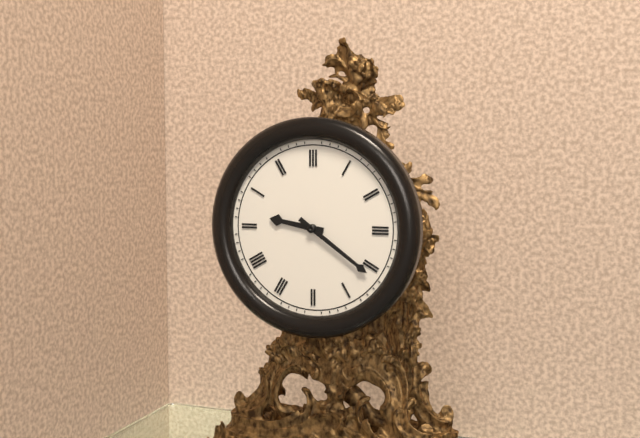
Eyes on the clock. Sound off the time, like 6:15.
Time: 9:21
